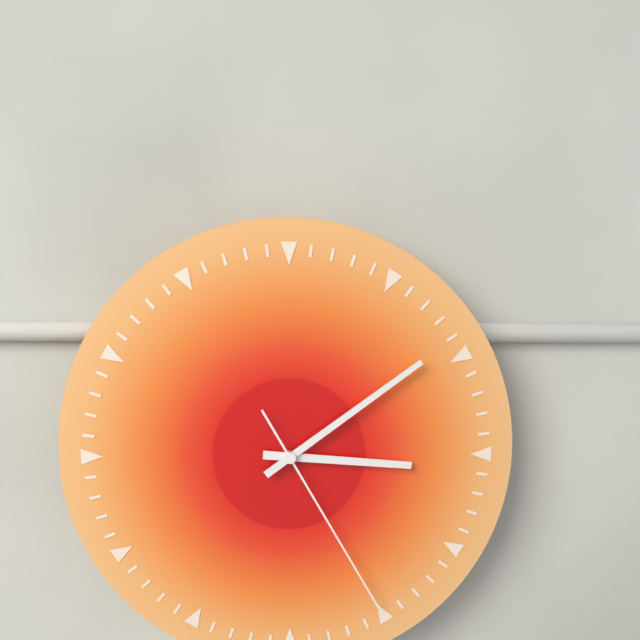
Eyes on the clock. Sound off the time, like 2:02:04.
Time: 3:09:25
